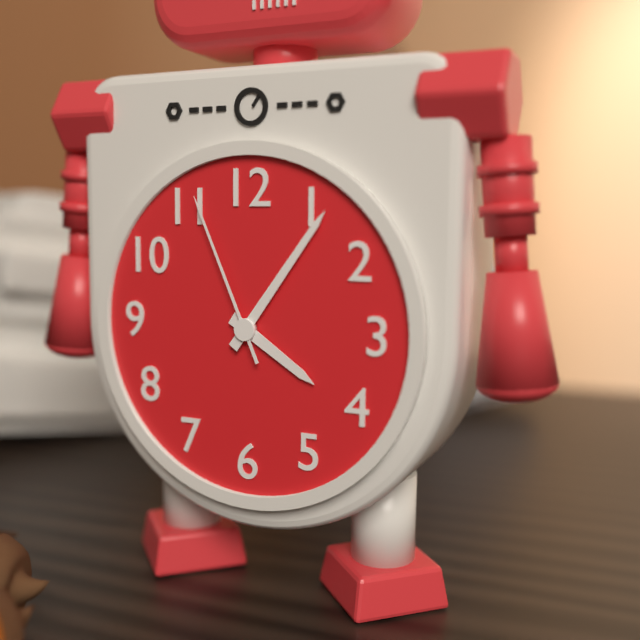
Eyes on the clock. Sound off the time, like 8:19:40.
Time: 4:06:56
